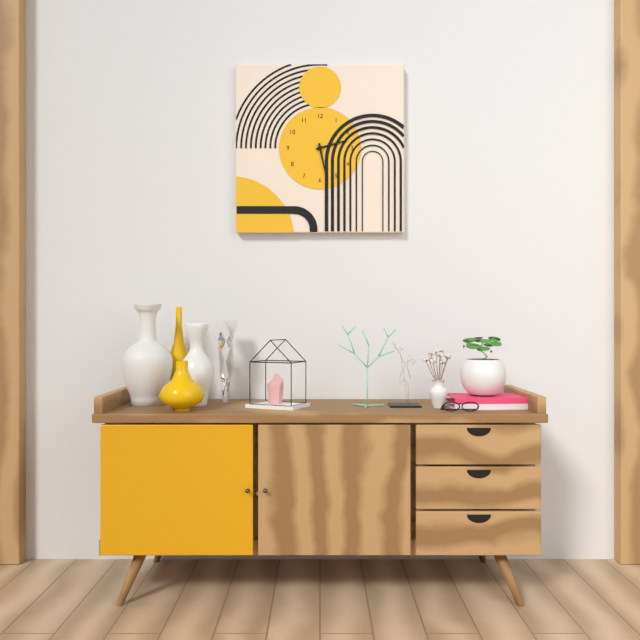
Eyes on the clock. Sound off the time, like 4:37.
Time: 2:28
